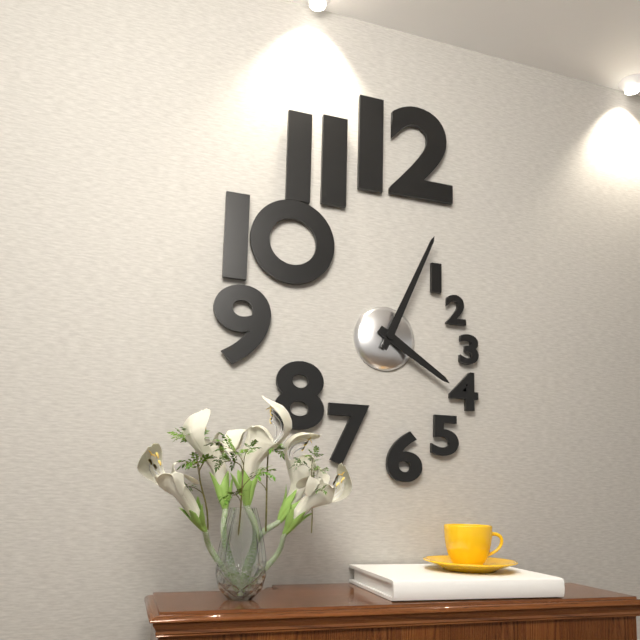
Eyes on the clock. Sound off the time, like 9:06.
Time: 4:04
